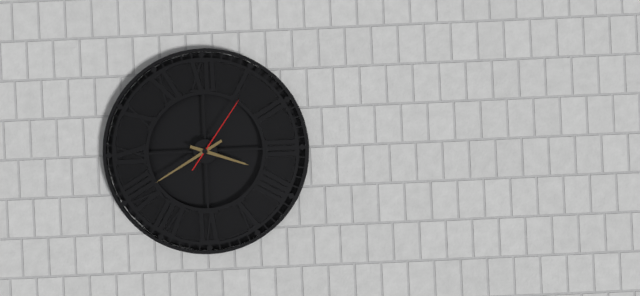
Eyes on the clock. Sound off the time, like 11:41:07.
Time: 3:40:06
